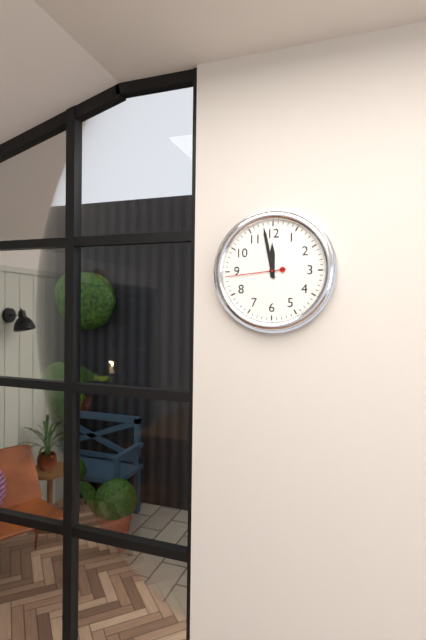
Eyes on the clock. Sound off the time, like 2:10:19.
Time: 11:58:44
